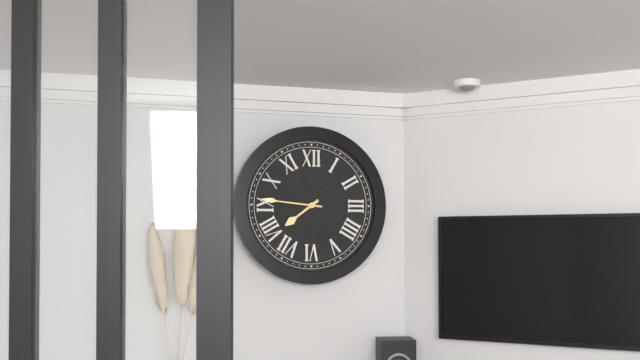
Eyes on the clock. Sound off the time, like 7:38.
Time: 7:46
